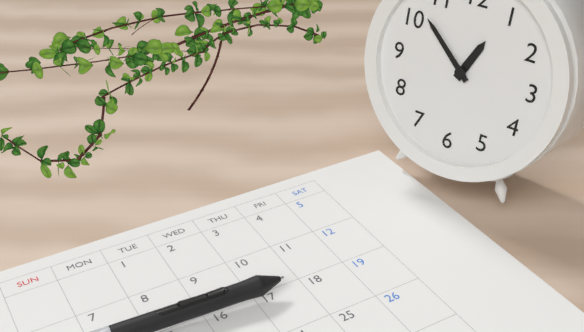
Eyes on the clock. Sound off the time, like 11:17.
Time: 12:52
